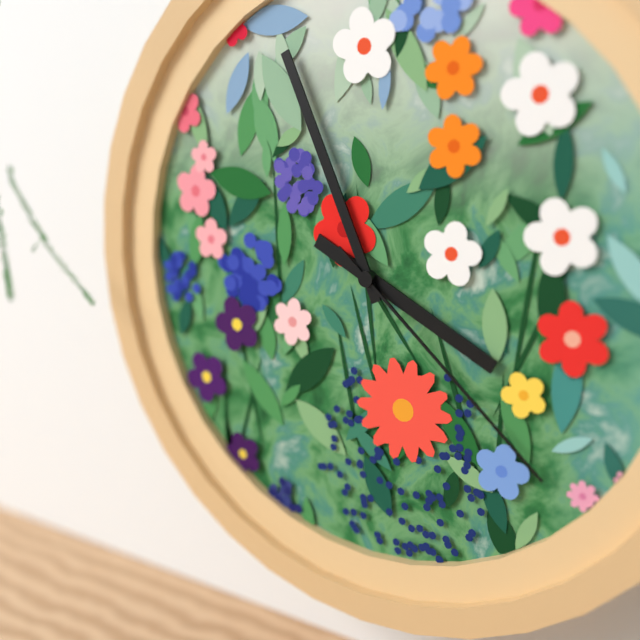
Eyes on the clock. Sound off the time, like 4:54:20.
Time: 3:56:22
